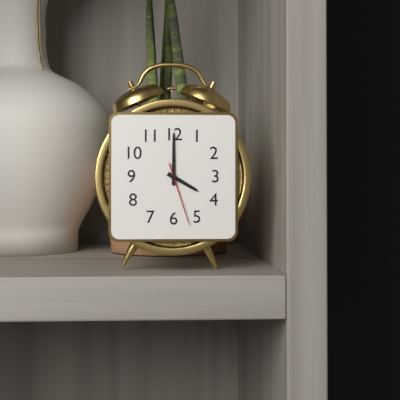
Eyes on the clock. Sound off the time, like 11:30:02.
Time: 4:00:27
